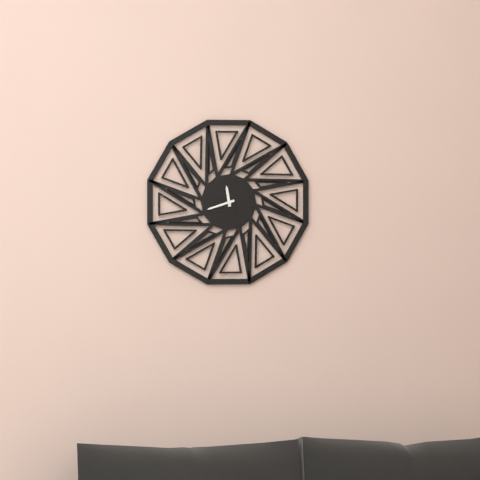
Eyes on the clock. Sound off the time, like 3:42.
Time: 11:42
